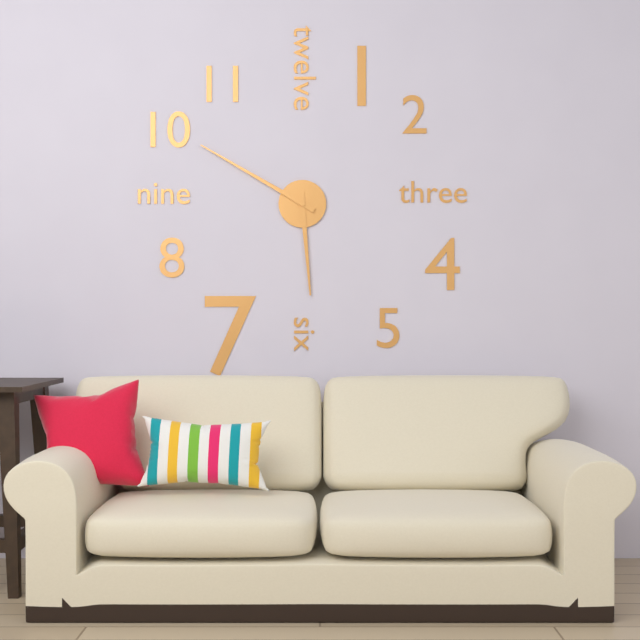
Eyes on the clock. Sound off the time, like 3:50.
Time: 5:50
